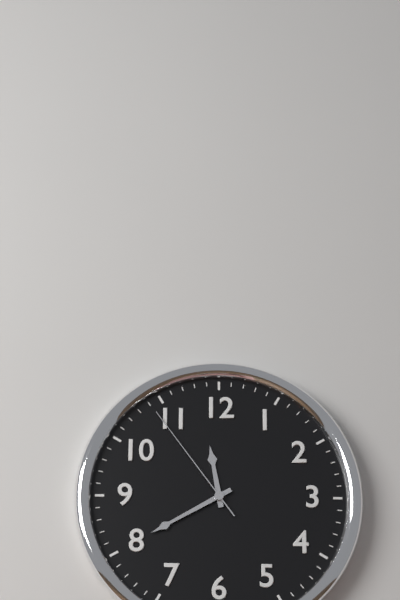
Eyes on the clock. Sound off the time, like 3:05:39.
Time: 11:40:54
